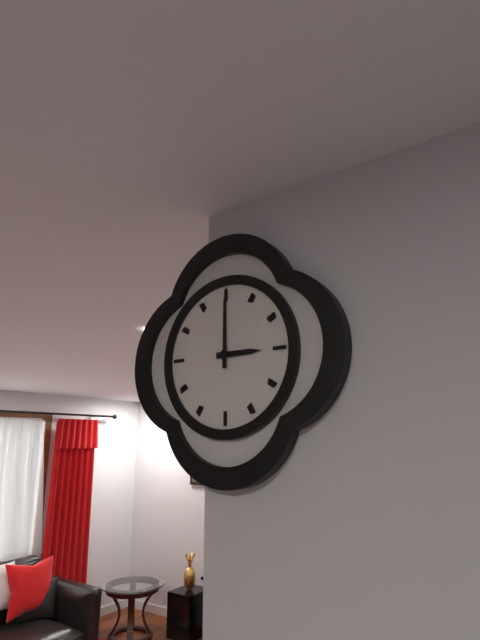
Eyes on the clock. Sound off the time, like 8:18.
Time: 3:00
